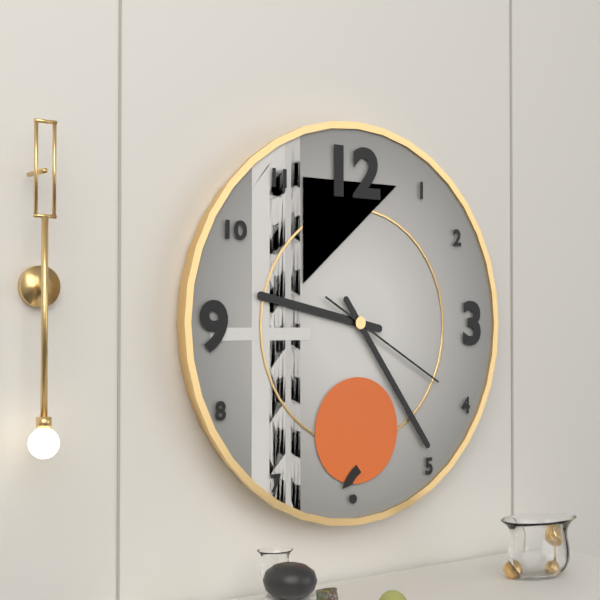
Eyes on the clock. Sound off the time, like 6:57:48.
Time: 9:24:20
